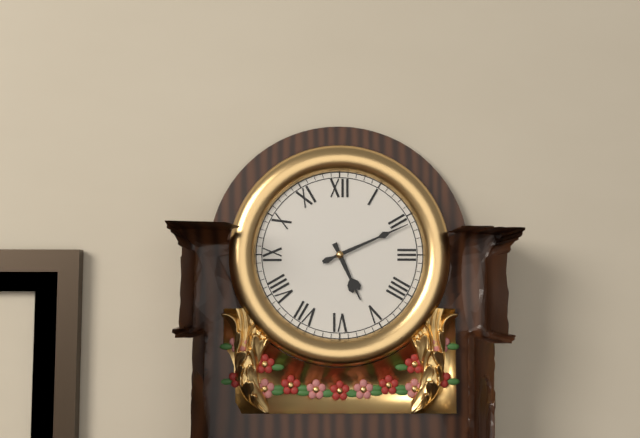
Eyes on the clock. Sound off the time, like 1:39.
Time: 5:11
